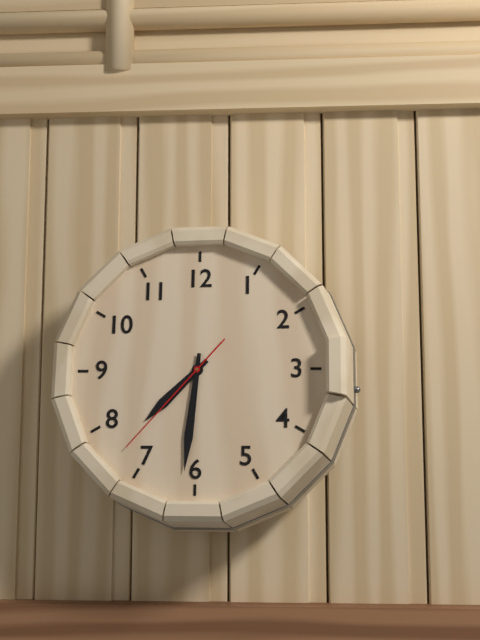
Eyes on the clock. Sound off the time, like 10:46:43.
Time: 7:31:37
